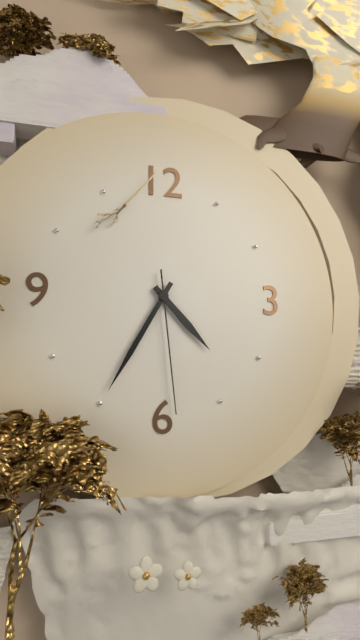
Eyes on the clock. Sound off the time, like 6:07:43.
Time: 4:35:29
